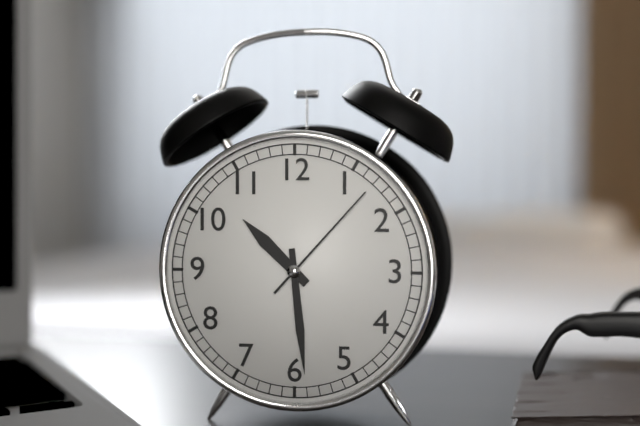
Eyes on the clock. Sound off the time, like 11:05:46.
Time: 10:29:07
